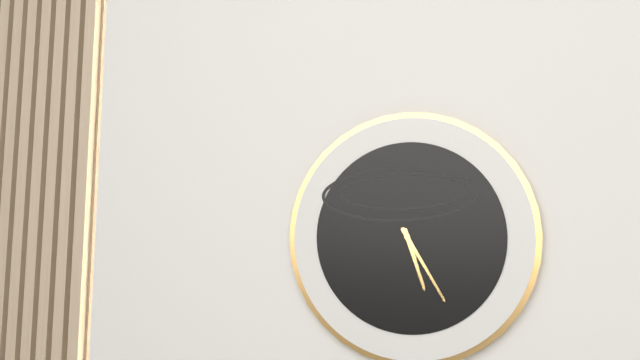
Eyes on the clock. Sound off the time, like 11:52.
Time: 5:25
